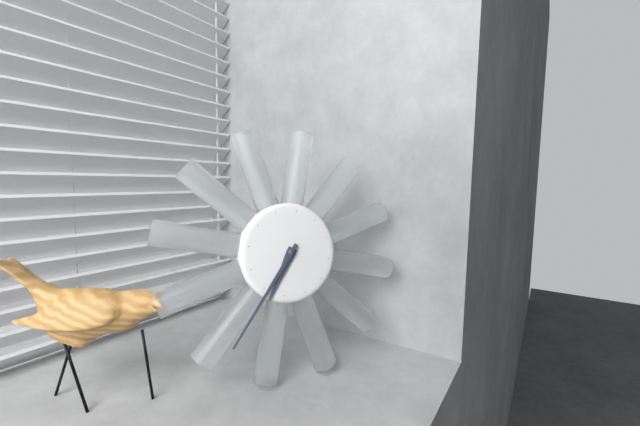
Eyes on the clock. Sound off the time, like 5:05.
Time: 6:34
